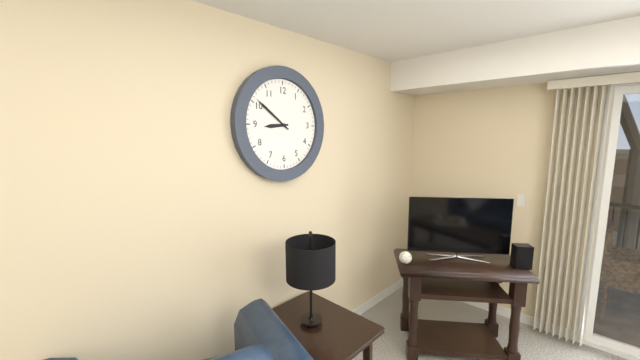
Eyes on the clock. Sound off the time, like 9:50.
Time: 8:51
